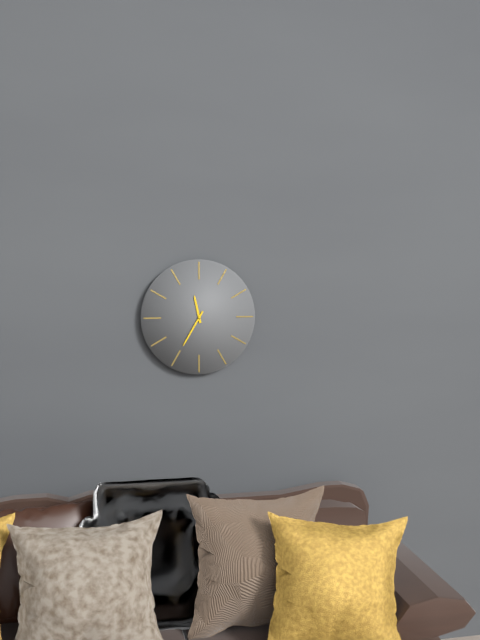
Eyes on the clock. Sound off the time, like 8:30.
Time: 11:35
